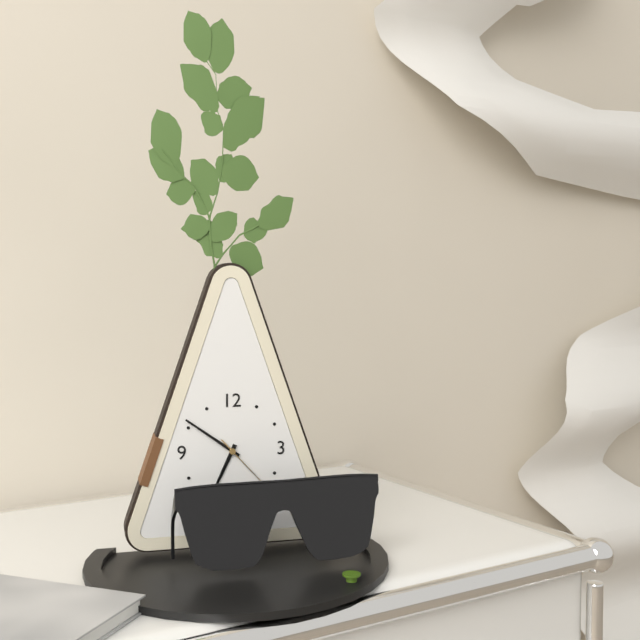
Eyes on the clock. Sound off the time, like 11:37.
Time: 6:51
